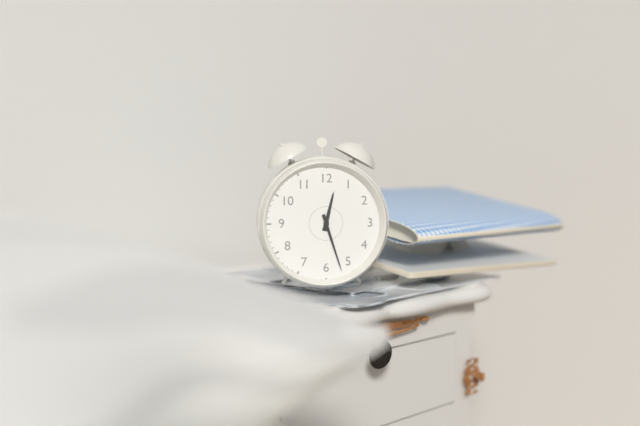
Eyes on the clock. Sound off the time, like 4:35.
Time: 12:27
